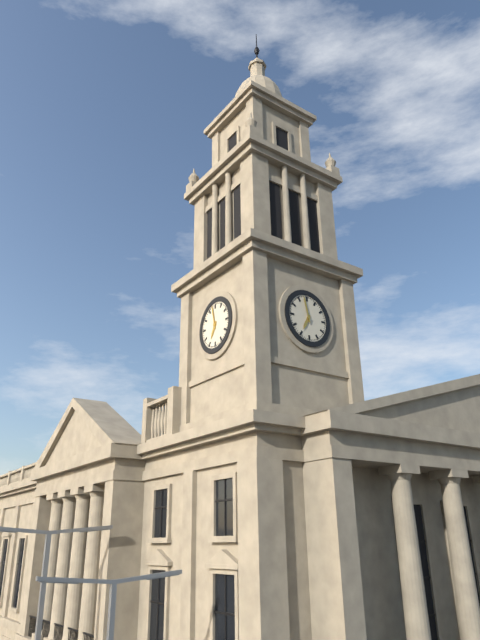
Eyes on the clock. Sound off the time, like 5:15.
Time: 6:58
